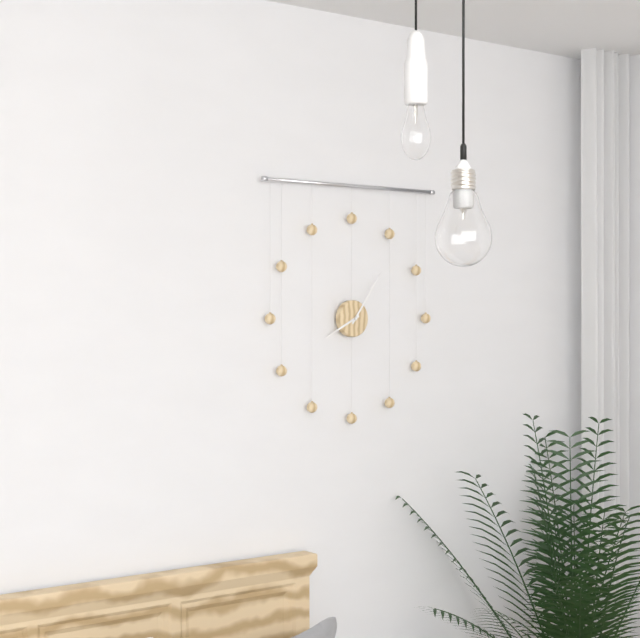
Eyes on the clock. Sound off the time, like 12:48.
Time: 8:06
